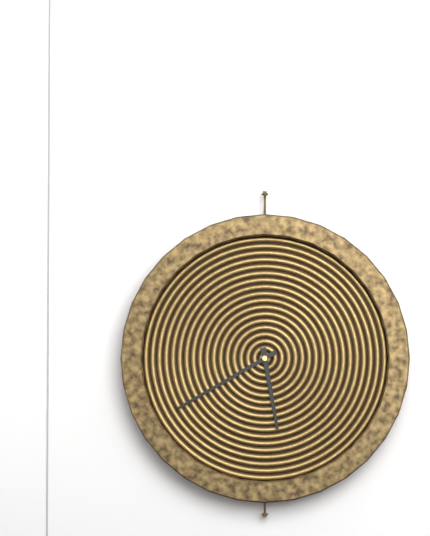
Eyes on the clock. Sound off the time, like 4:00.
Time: 5:40
